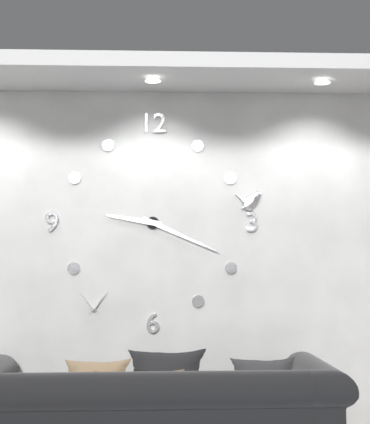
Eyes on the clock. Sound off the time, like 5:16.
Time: 9:19
